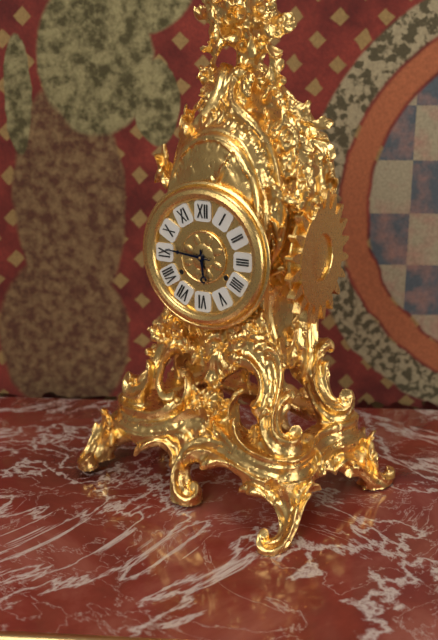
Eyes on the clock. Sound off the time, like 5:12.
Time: 5:46
